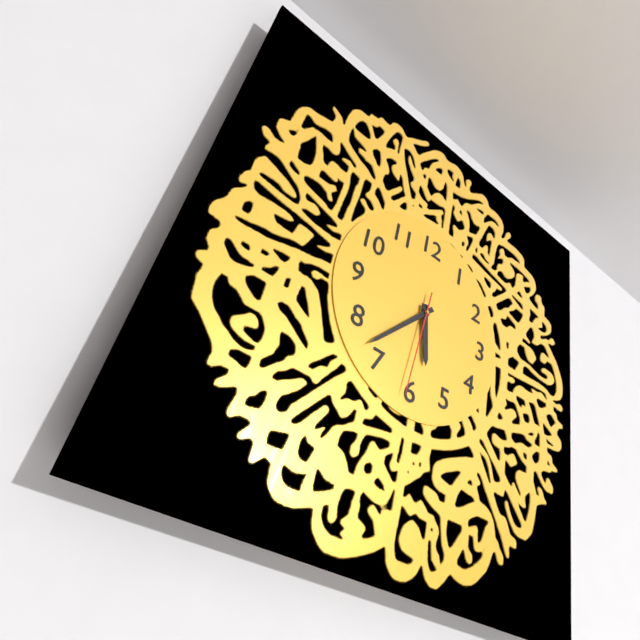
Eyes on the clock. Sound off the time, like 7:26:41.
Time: 5:37:31
